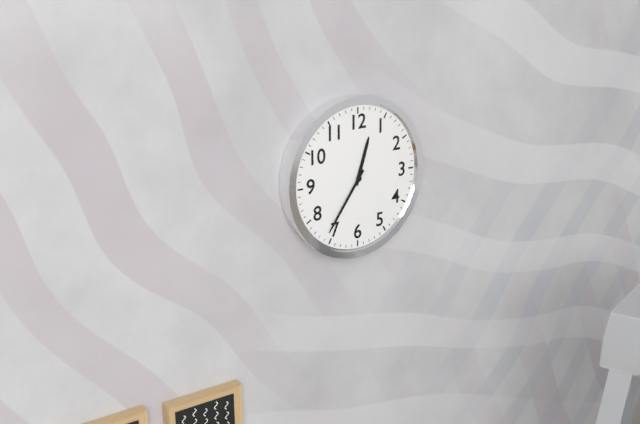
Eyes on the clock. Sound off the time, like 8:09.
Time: 12:36
